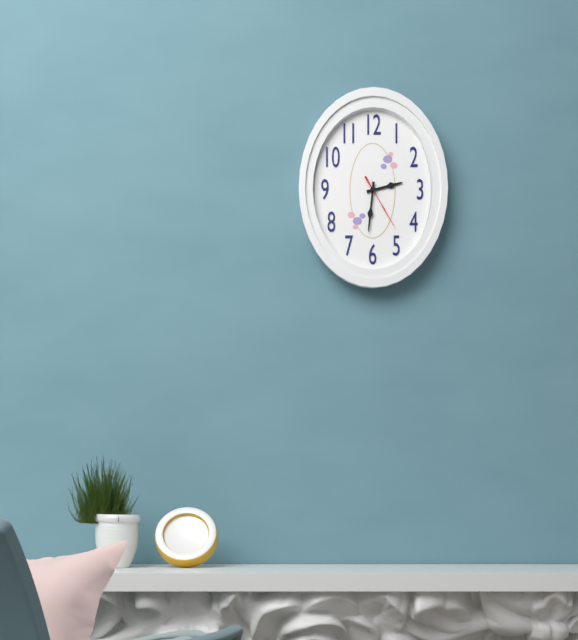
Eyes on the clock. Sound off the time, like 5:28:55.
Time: 2:31:25
